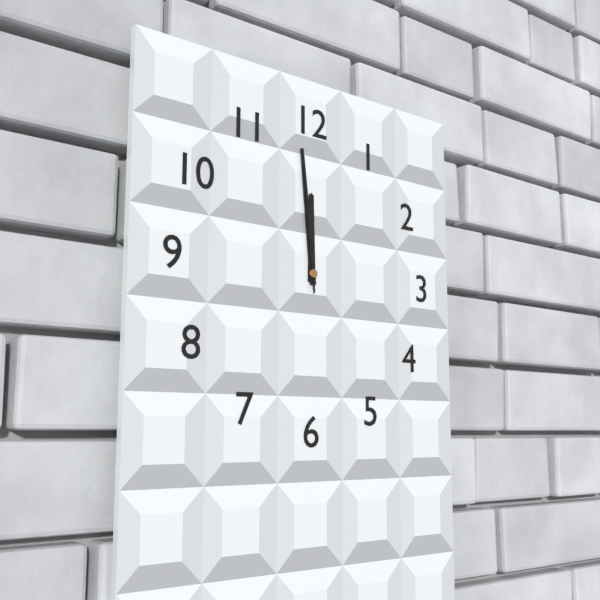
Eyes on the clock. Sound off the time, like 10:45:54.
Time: 11:59:59
